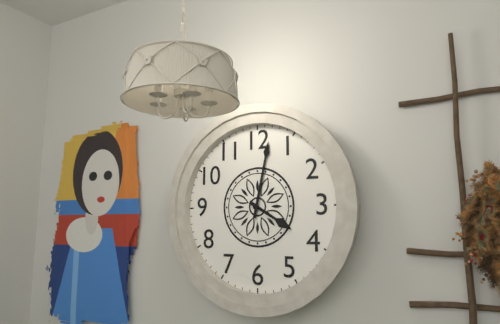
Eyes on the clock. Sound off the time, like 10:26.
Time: 4:02
